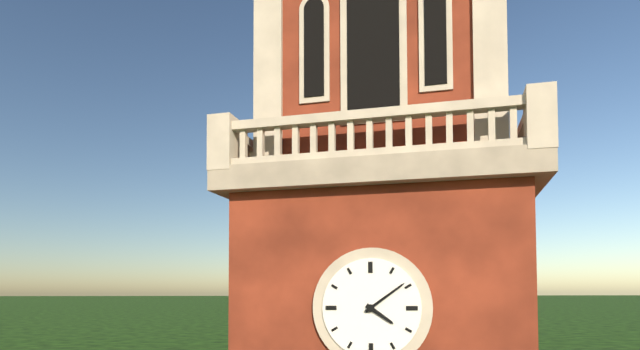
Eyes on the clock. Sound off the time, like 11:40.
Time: 4:09
